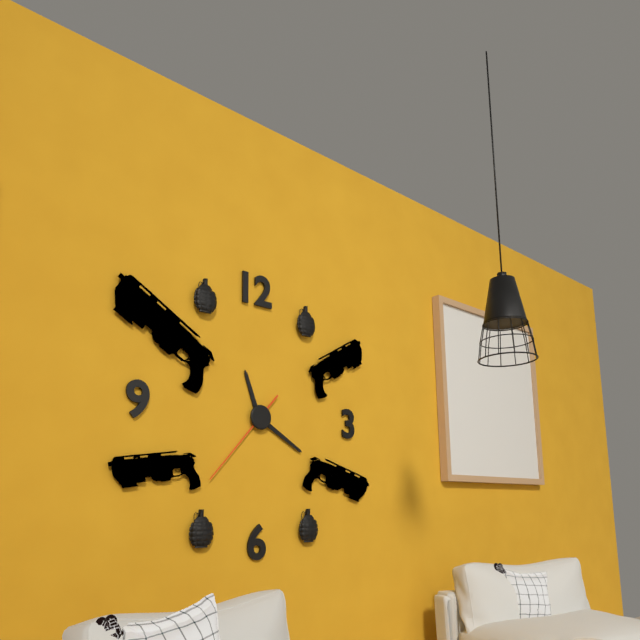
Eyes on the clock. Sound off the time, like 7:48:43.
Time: 11:20:37
